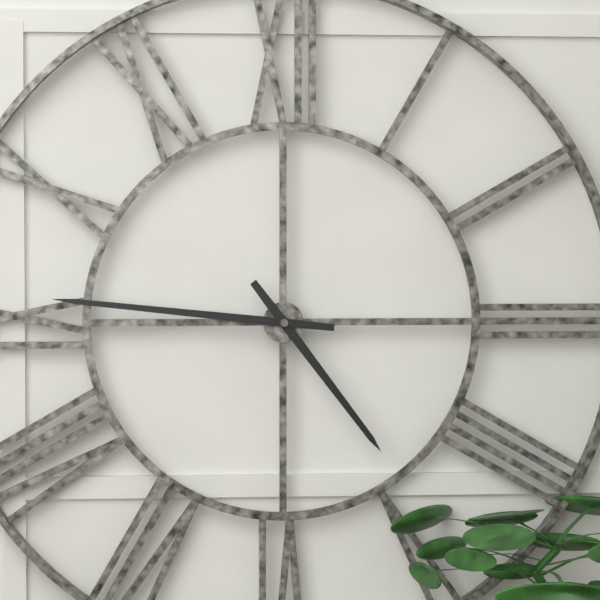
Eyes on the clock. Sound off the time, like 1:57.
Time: 4:46
